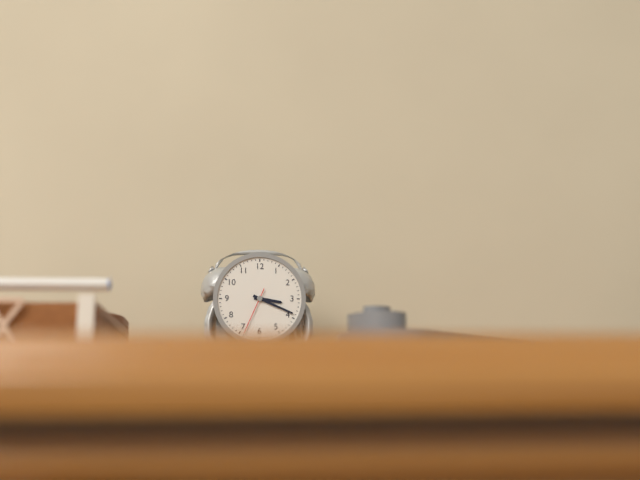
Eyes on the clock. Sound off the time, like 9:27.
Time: 3:19
